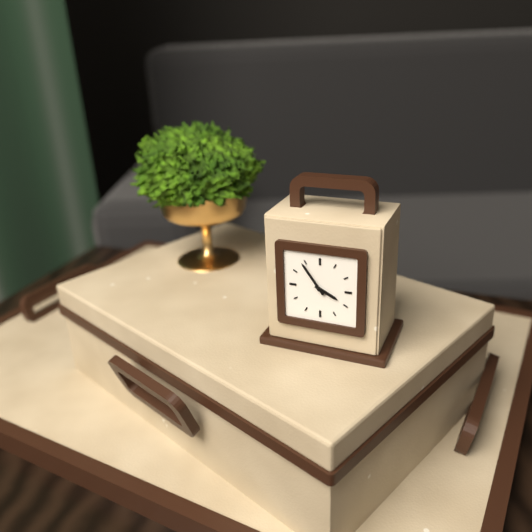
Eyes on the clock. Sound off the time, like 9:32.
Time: 3:54
